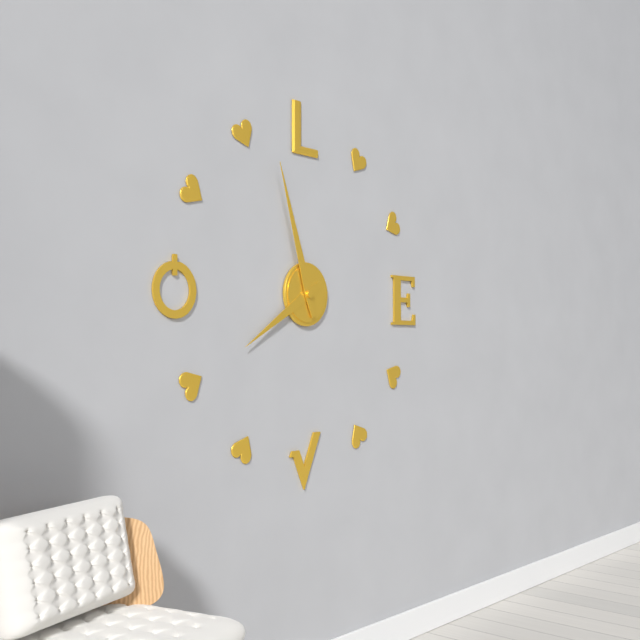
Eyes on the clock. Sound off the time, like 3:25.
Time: 7:57
